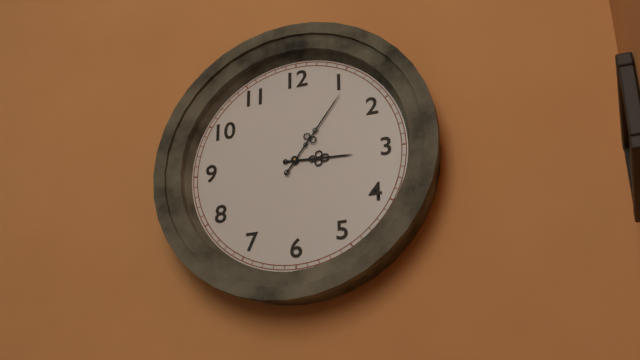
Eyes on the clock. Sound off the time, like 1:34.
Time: 3:06
